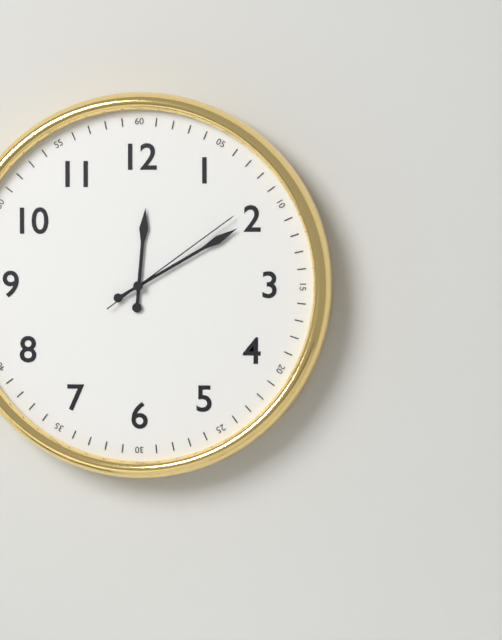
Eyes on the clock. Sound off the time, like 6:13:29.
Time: 12:10:09
